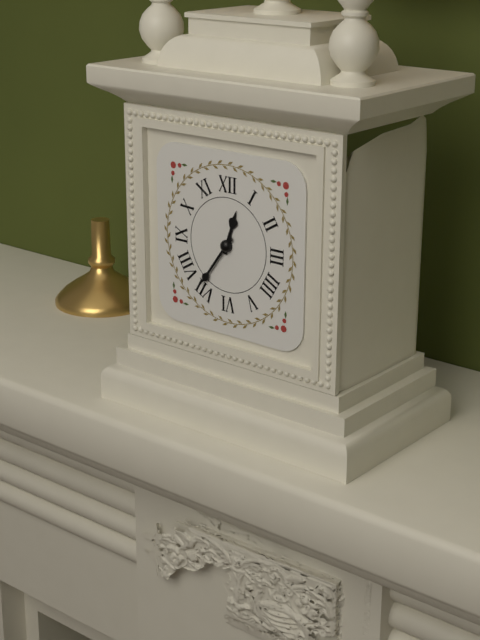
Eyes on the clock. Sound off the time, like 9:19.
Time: 12:36
